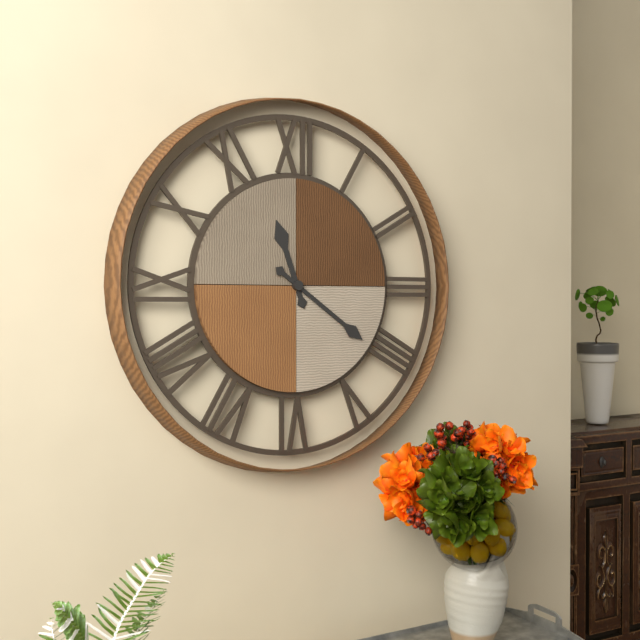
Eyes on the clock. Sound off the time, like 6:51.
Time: 11:21
